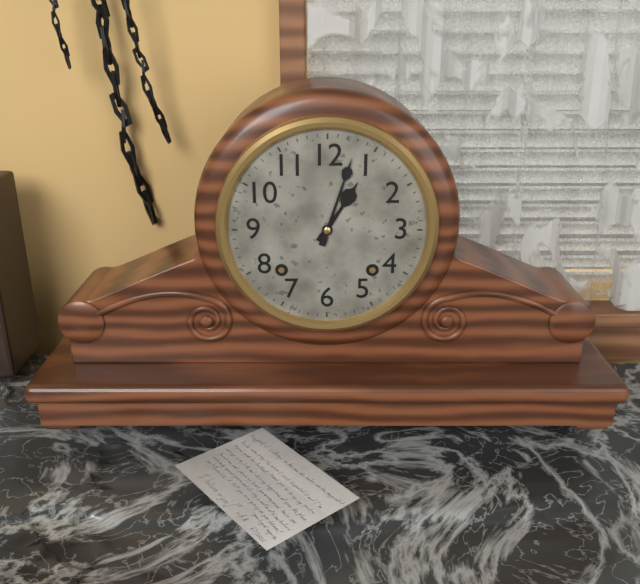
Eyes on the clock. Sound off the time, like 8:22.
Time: 1:03
